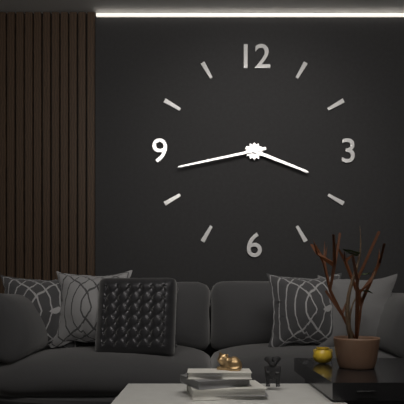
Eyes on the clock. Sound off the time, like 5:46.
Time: 3:43
